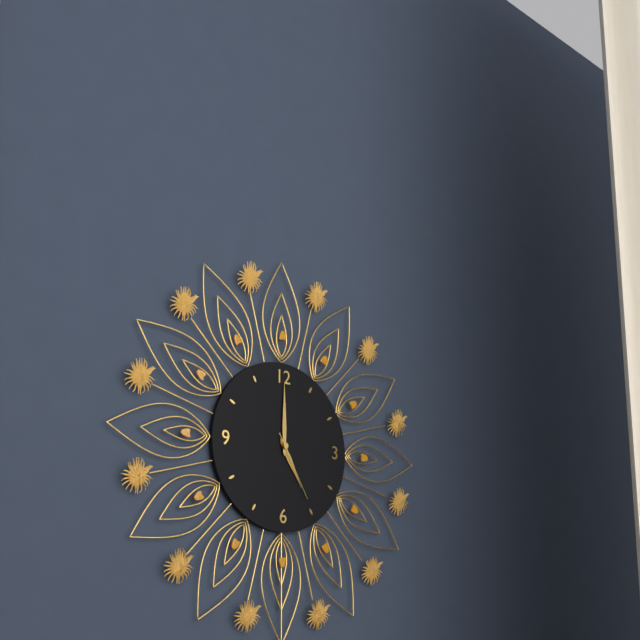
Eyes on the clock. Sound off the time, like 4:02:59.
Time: 5:00:25
